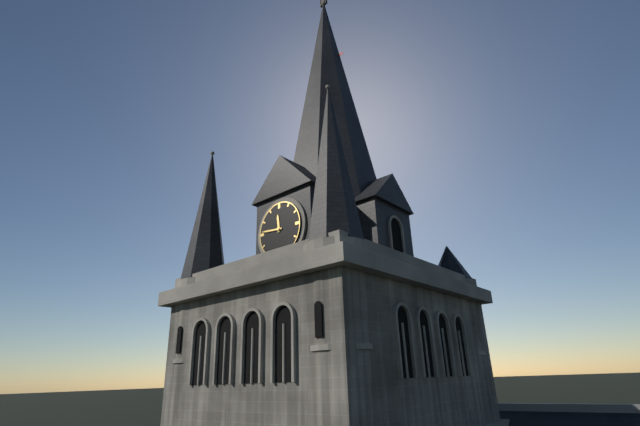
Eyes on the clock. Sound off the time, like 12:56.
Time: 11:46
